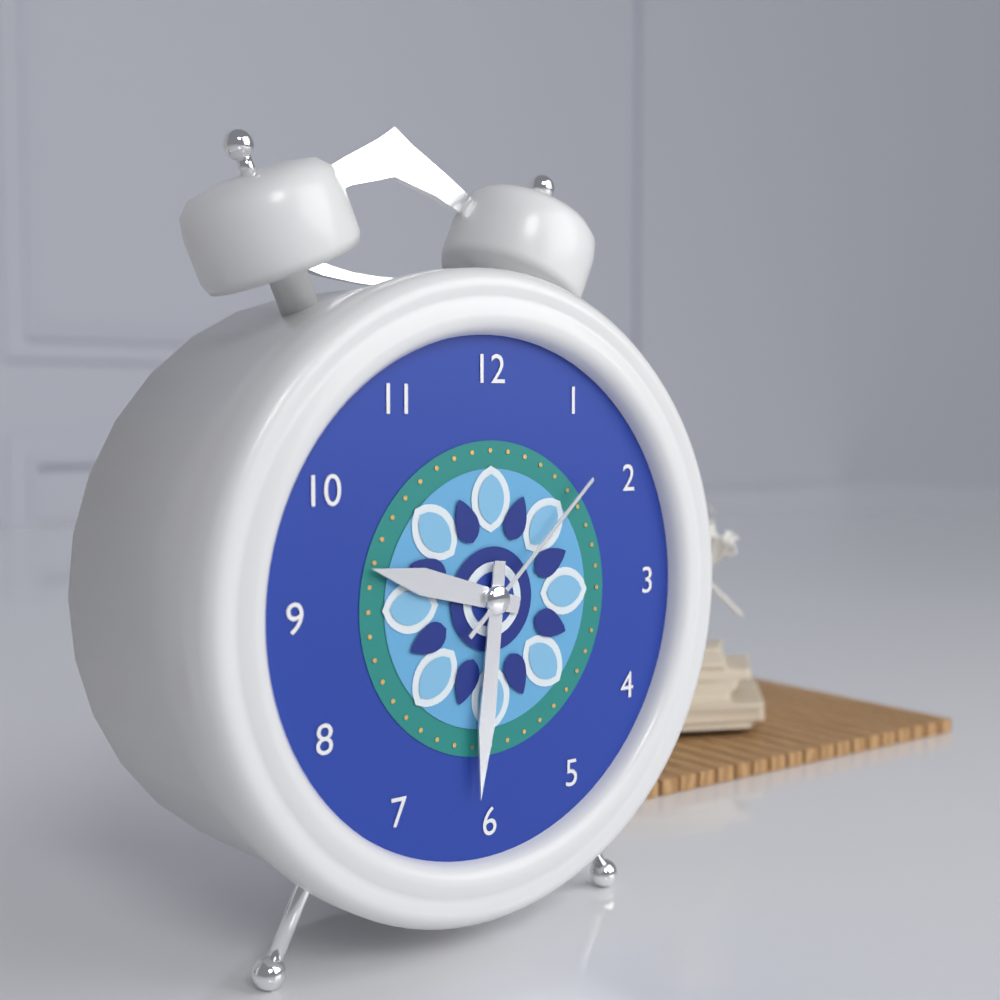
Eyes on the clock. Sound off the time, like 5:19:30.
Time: 9:31:08
